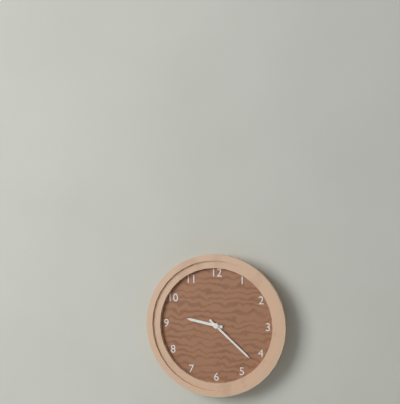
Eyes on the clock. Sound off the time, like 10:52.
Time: 9:22
